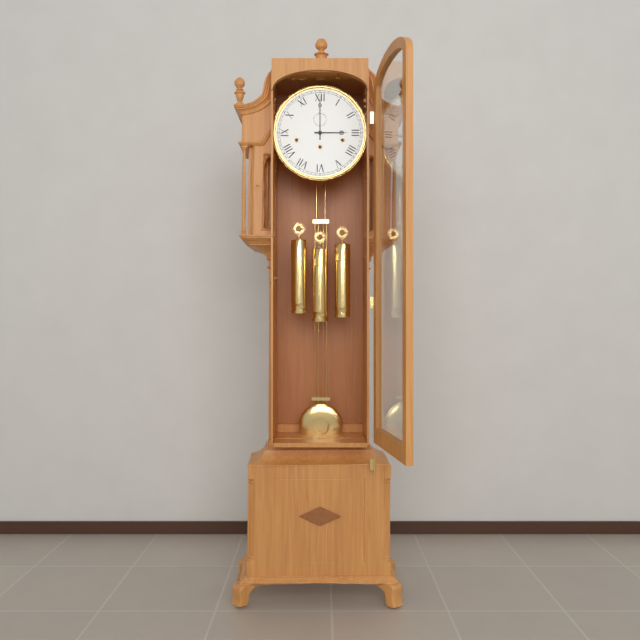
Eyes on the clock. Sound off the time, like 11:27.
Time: 3:00
